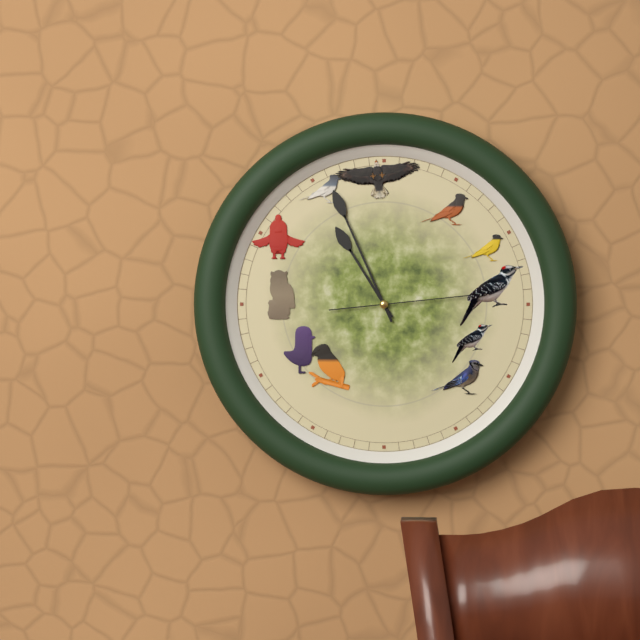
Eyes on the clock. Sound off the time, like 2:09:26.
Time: 10:56:14
